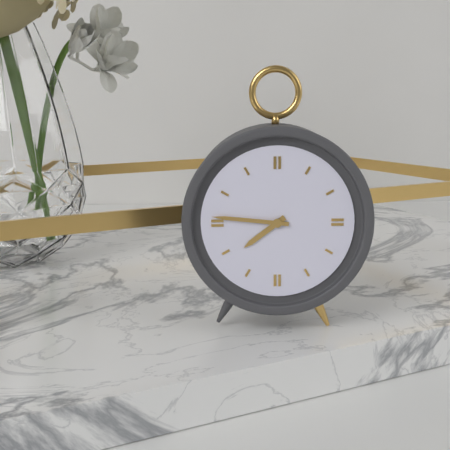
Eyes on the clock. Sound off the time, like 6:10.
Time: 7:46
